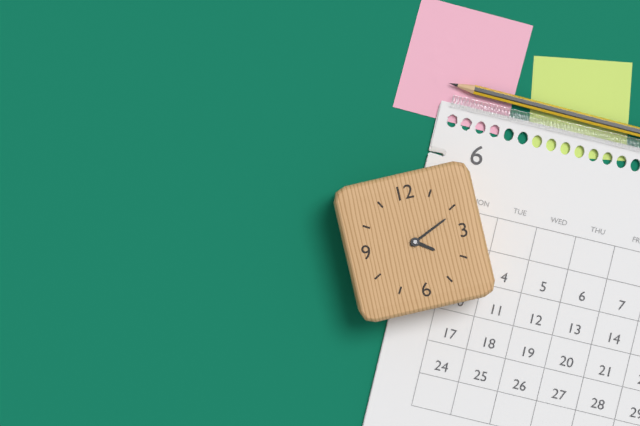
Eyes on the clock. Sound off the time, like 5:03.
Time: 4:11
